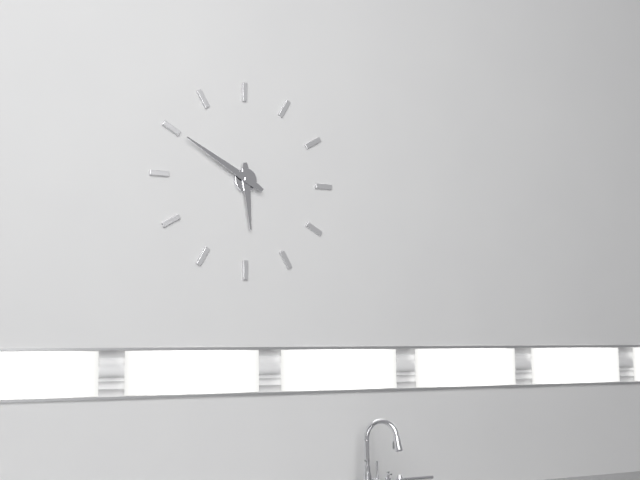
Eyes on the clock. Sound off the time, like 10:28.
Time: 5:50
